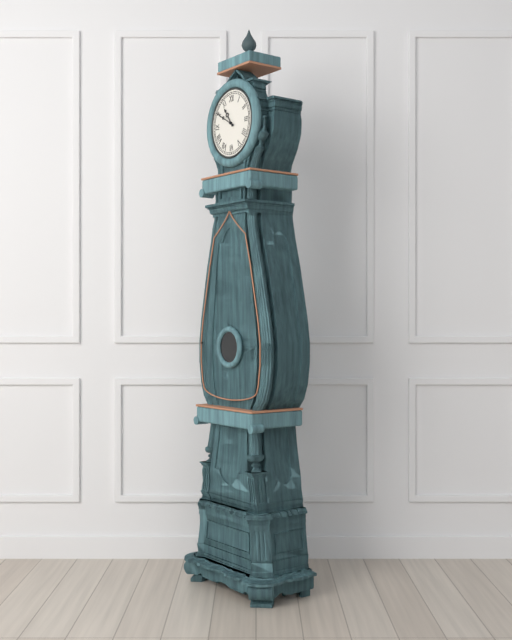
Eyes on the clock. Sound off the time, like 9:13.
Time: 10:50
